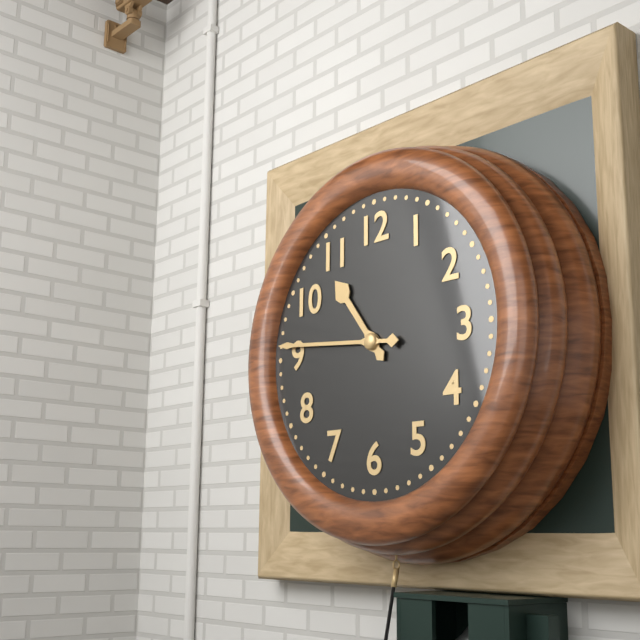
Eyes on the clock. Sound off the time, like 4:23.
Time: 10:46
